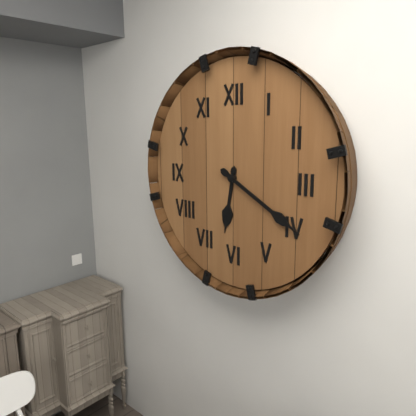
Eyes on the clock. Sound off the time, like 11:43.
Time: 6:20
